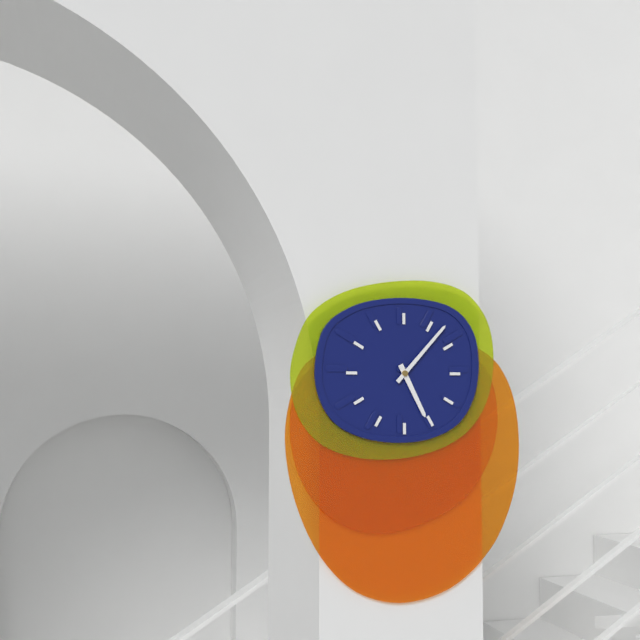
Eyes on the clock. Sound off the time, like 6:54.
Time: 5:07
